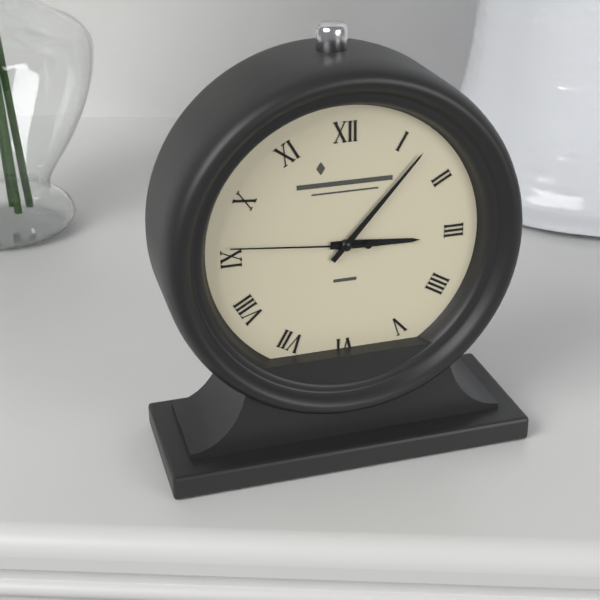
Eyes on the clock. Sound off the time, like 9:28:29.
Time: 3:07:46
